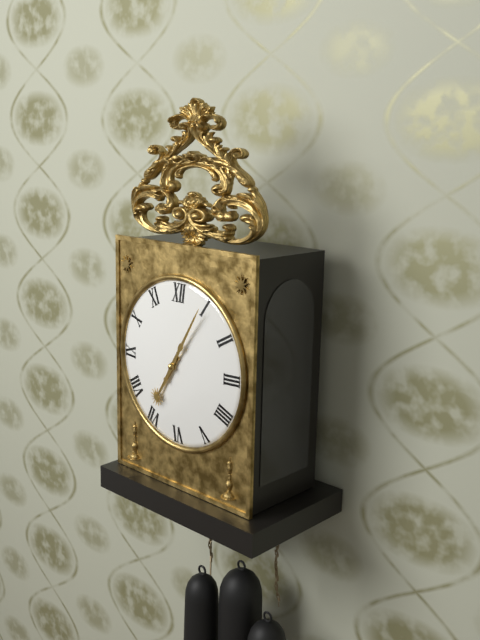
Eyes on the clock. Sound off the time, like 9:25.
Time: 7:05
